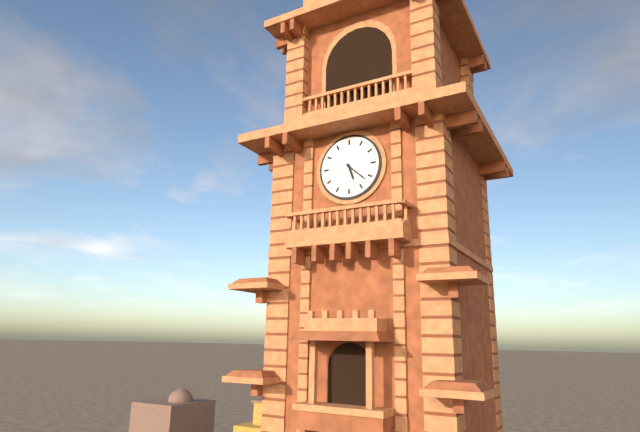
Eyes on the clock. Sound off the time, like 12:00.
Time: 5:22
